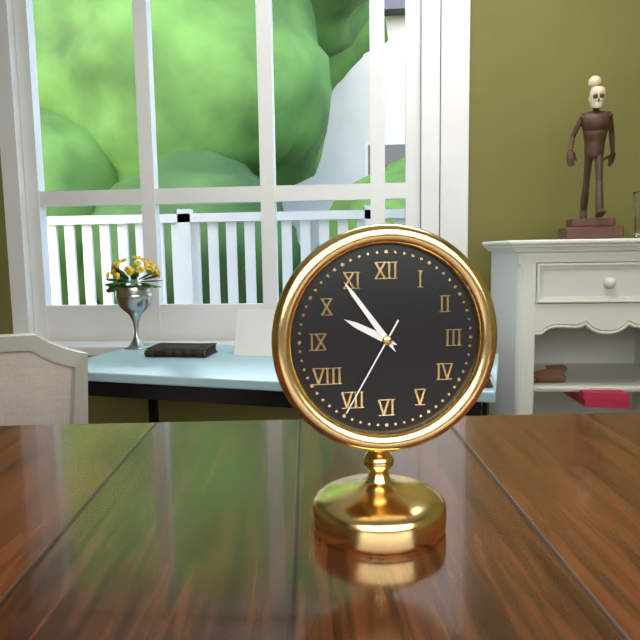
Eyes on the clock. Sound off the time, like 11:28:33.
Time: 9:54:35
